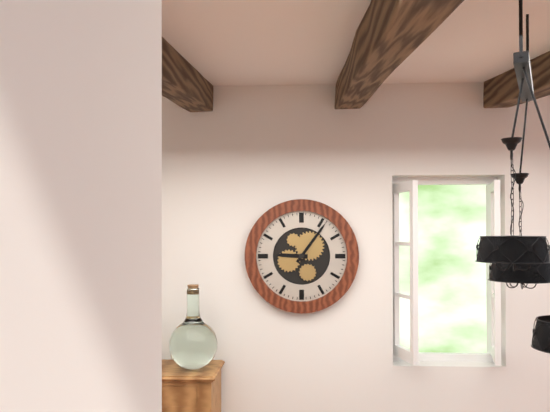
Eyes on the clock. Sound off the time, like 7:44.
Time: 9:06
